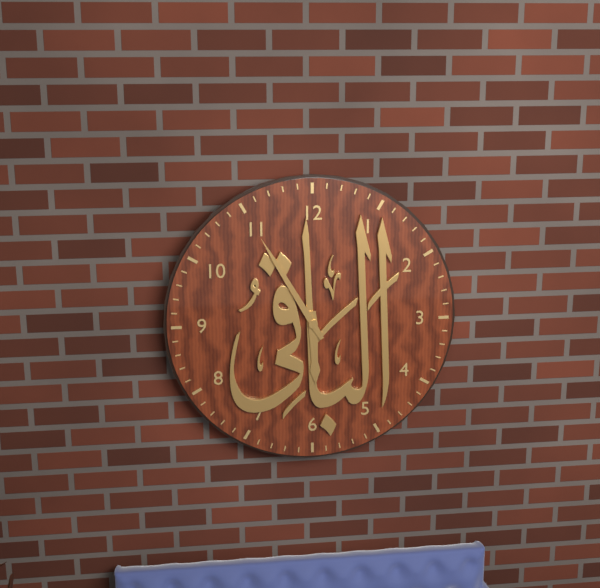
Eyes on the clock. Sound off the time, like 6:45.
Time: 5:55
